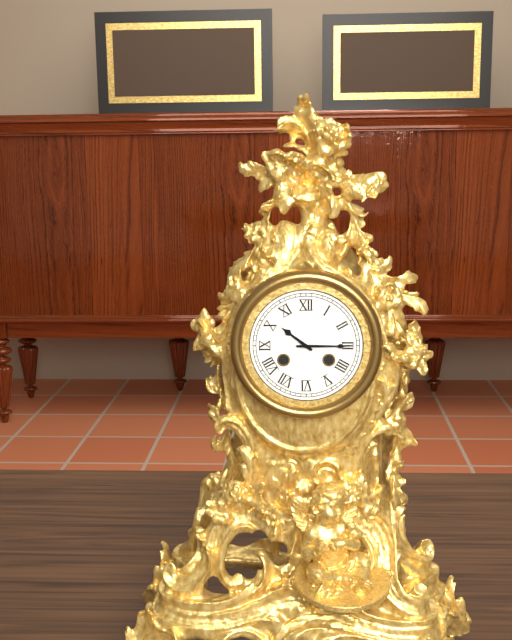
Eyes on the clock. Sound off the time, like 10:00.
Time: 10:15
